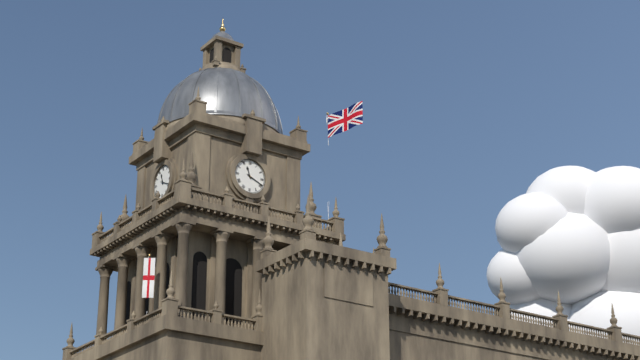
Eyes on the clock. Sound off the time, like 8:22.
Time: 11:19
